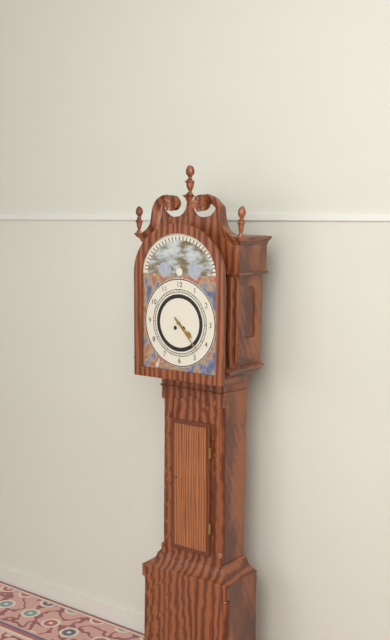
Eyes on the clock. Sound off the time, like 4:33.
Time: 4:23
